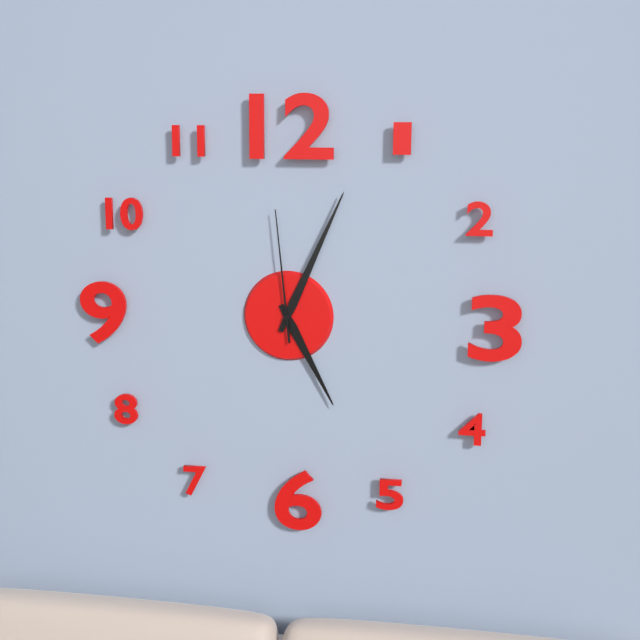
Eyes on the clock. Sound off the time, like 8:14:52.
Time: 5:04:59
